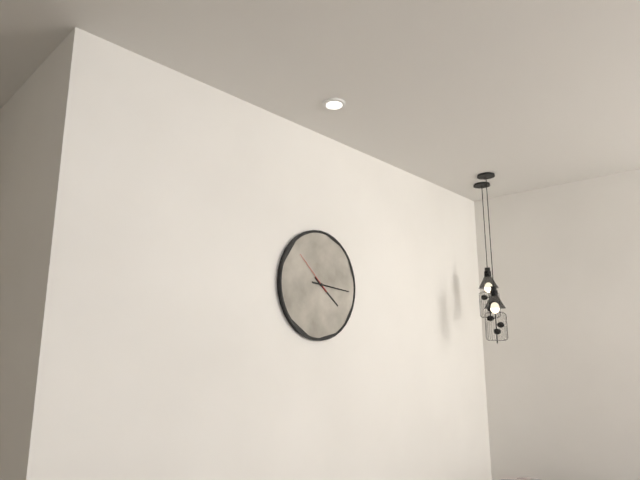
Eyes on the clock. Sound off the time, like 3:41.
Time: 4:16
